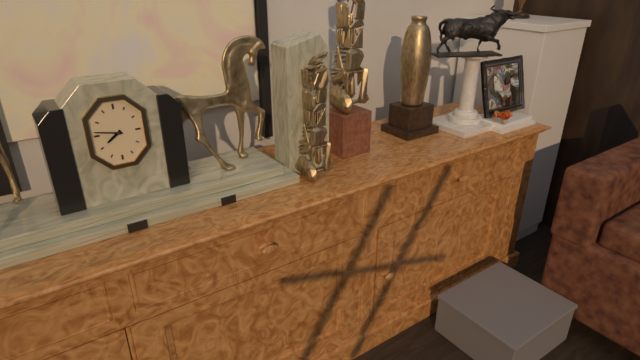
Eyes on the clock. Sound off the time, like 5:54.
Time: 7:47
